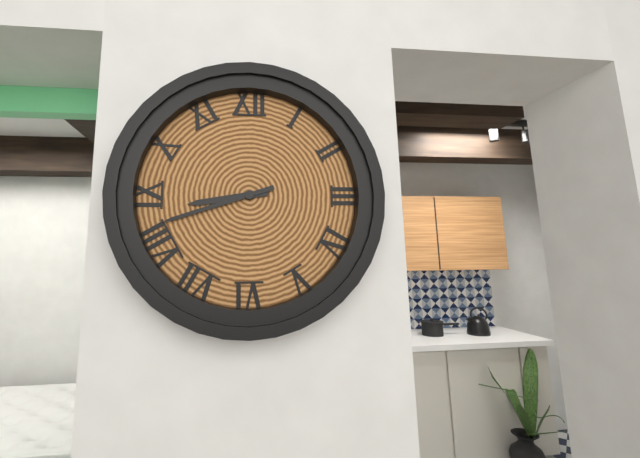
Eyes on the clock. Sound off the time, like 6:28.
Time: 8:42
